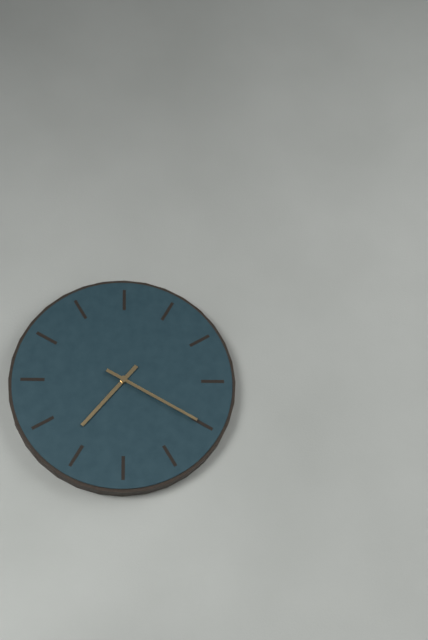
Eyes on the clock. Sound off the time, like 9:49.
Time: 7:20
